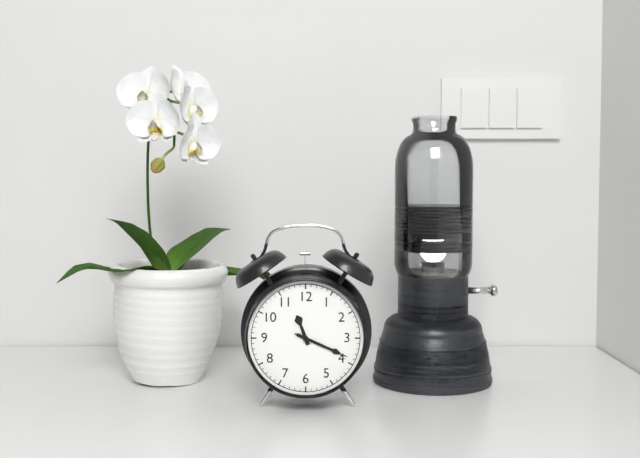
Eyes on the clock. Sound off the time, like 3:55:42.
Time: 11:19:19
